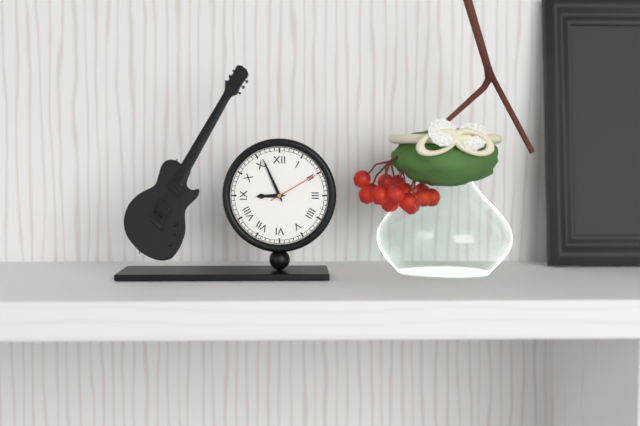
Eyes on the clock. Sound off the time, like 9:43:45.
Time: 8:56:10
